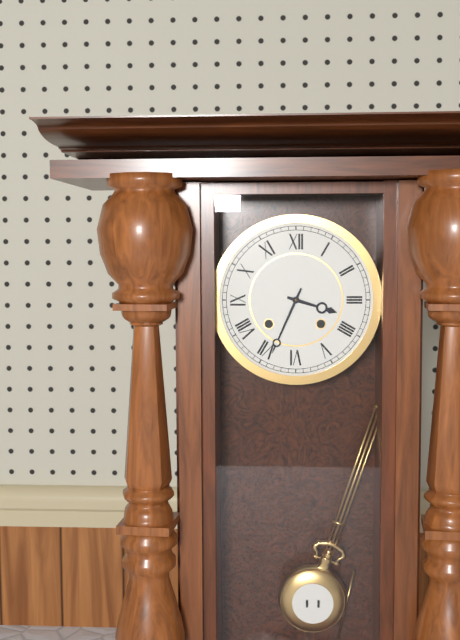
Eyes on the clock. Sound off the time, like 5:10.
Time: 3:34
